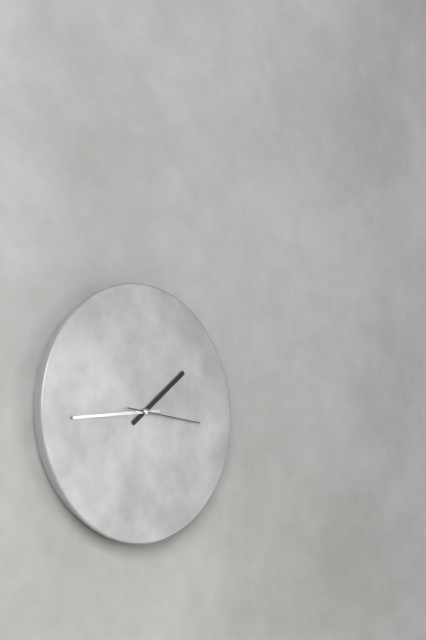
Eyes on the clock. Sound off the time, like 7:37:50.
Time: 1:44:16
